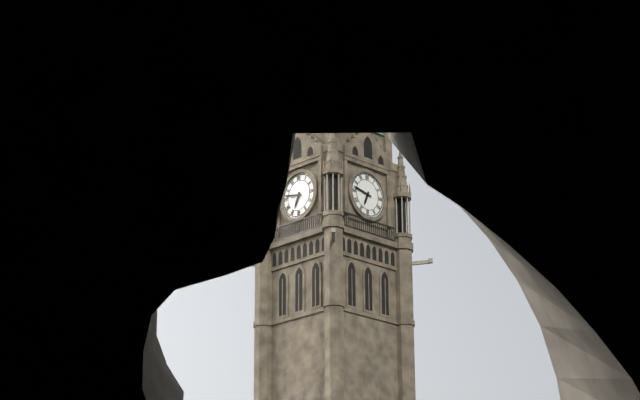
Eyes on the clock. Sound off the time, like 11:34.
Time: 6:47
